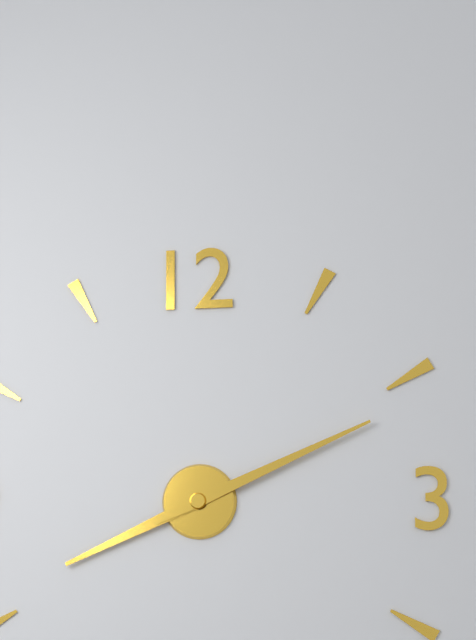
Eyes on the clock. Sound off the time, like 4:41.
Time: 8:11
